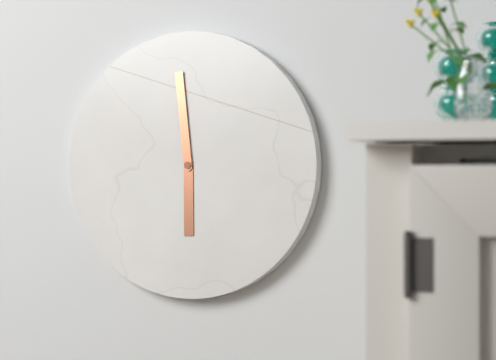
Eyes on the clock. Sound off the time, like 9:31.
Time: 5:59
